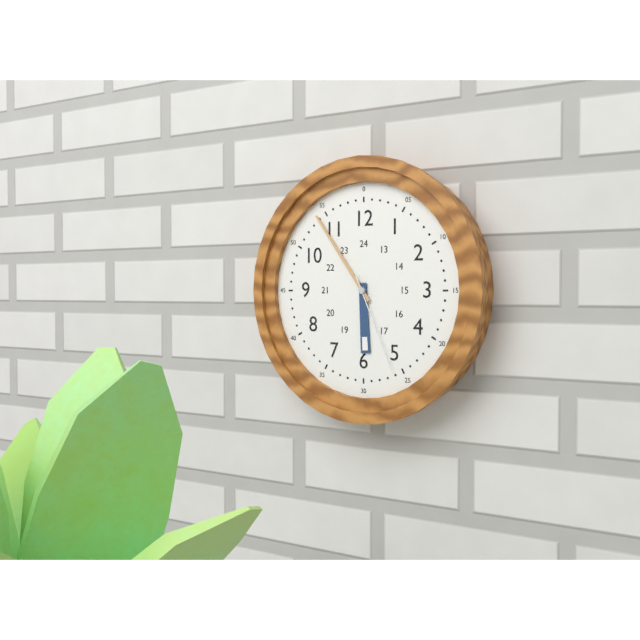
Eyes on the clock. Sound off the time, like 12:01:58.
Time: 5:54:26
